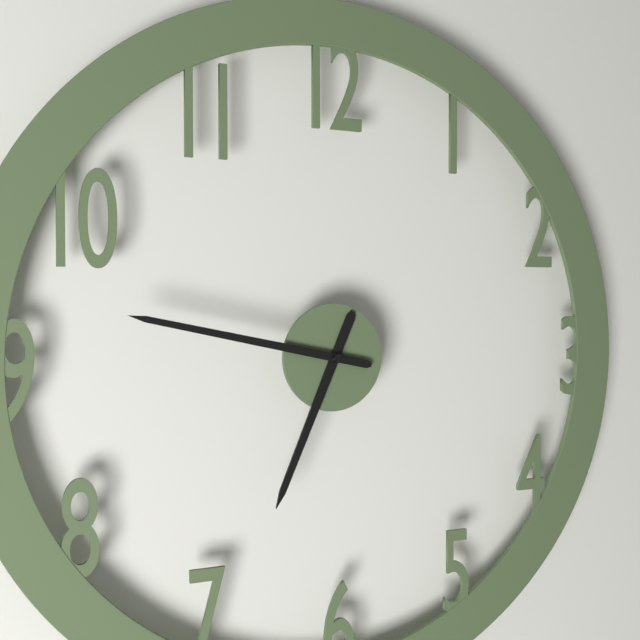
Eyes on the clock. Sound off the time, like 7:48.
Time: 6:47
